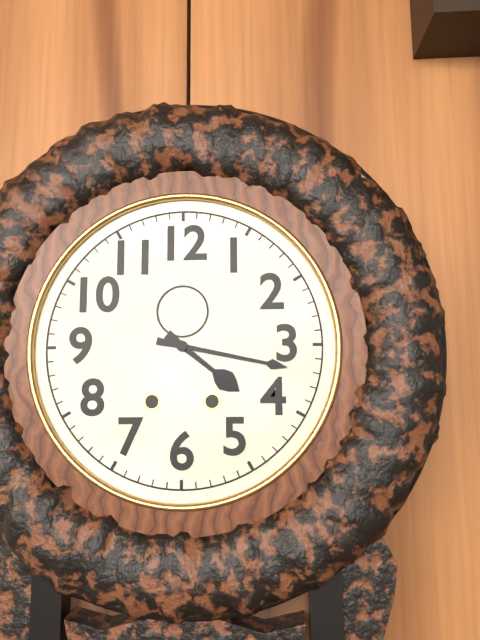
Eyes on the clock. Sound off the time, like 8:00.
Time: 4:17
